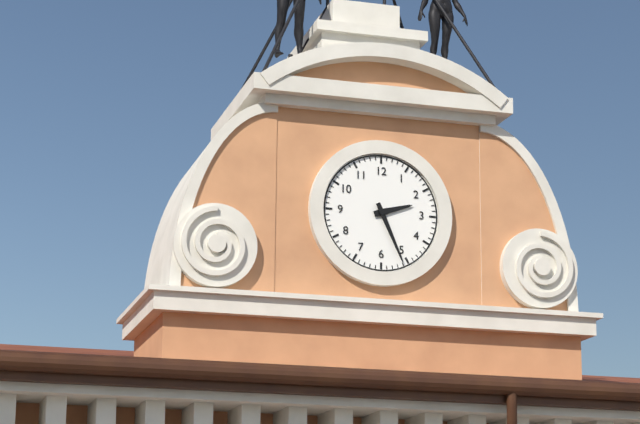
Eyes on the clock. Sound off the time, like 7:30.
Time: 2:26
